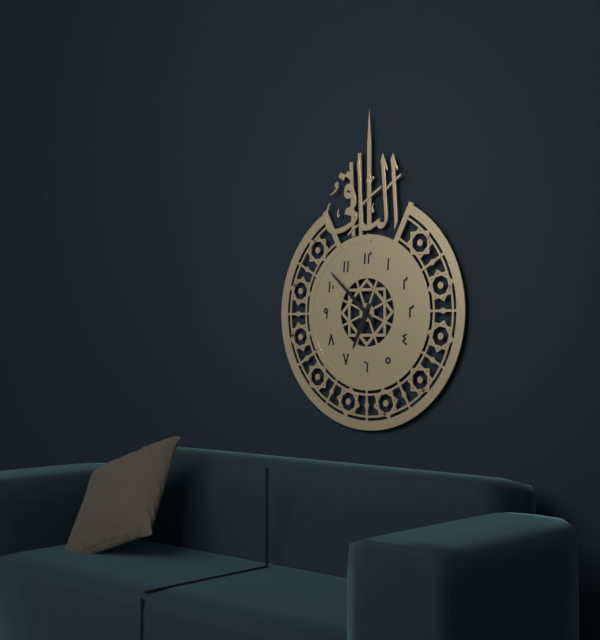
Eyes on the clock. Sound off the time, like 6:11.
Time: 6:52
